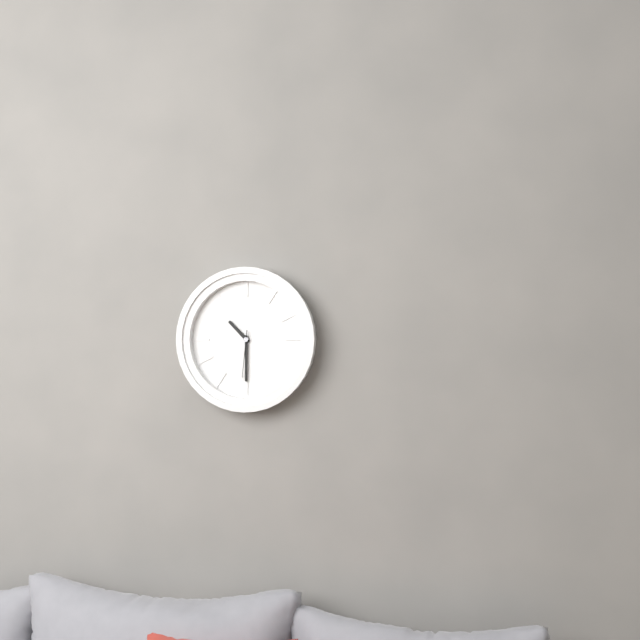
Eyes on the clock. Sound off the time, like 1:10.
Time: 10:30
